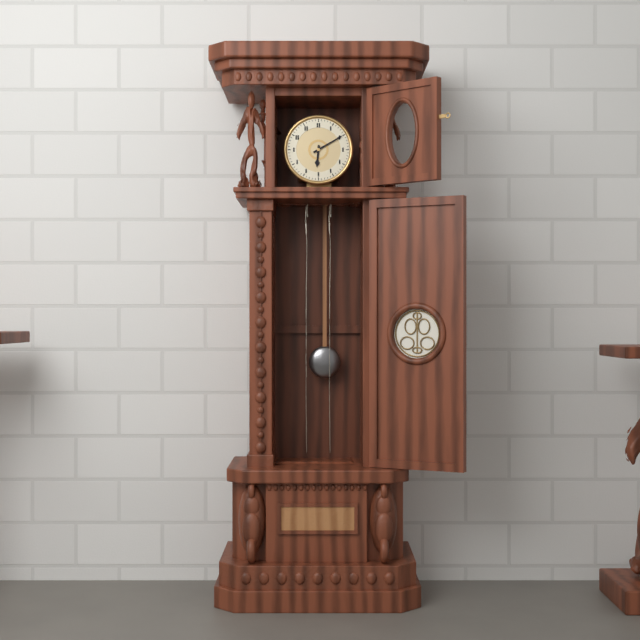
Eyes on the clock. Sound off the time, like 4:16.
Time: 6:10
